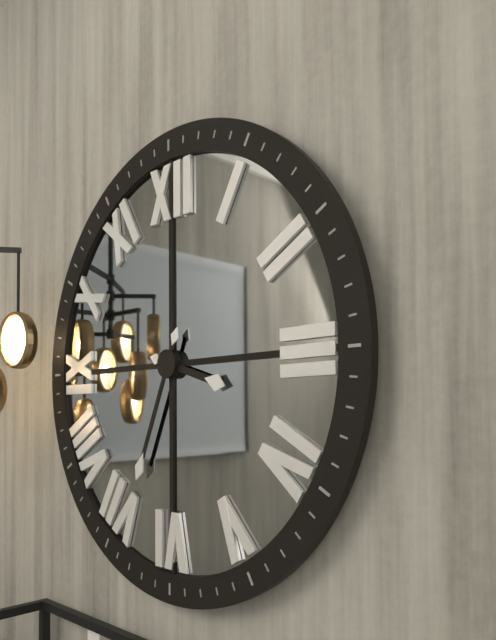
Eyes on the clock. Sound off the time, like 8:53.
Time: 3:34
